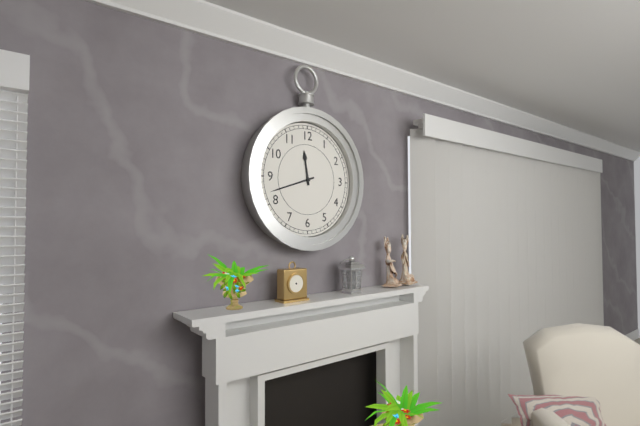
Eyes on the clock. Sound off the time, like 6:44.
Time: 11:42
